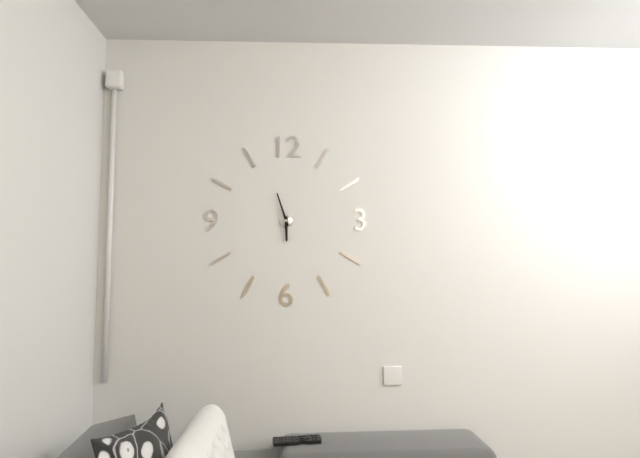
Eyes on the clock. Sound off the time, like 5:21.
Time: 5:57
